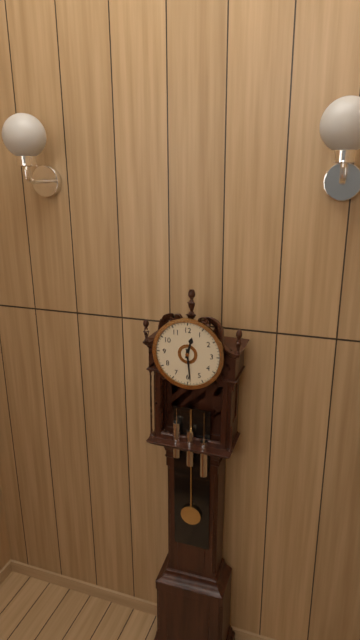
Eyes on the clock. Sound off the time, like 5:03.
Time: 12:29
